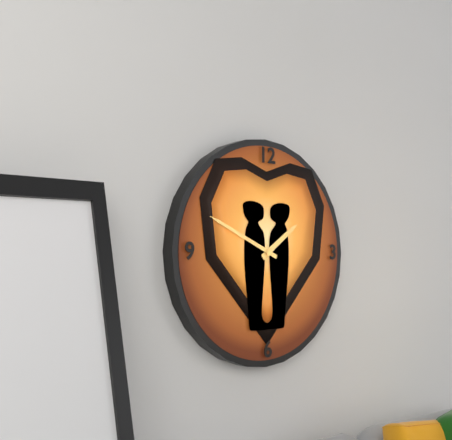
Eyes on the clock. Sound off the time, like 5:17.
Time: 1:49
